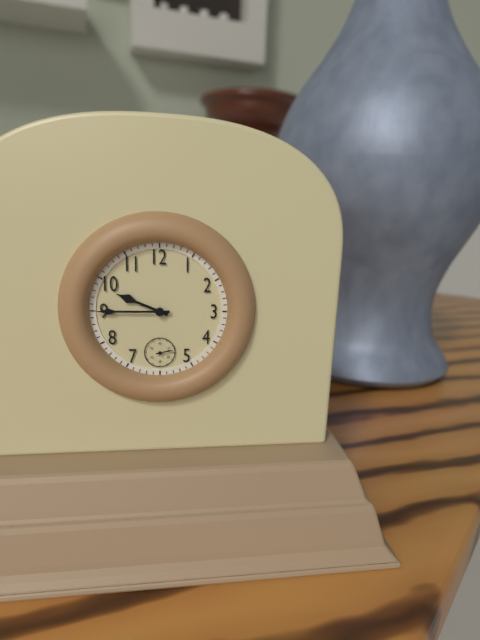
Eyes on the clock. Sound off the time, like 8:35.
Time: 9:45
